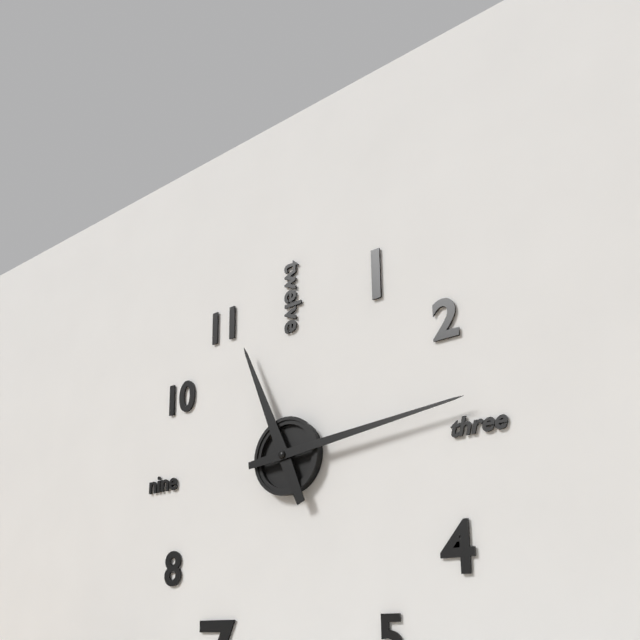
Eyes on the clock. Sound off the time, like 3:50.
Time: 11:14
